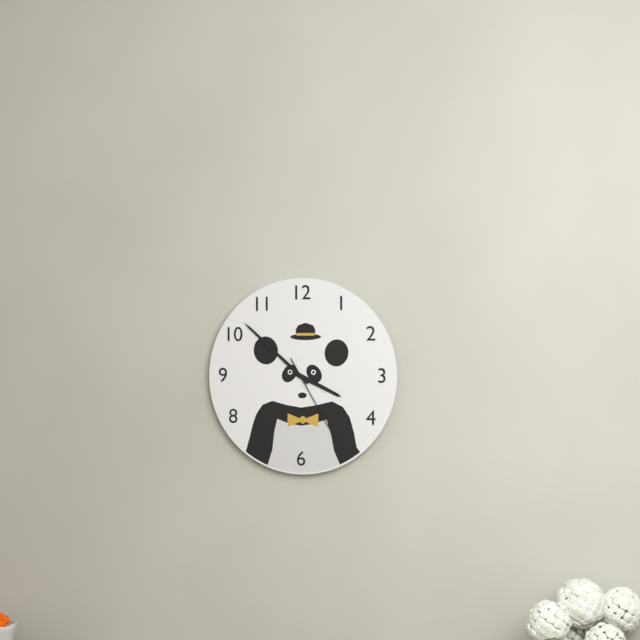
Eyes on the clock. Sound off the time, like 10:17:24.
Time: 3:52:25
